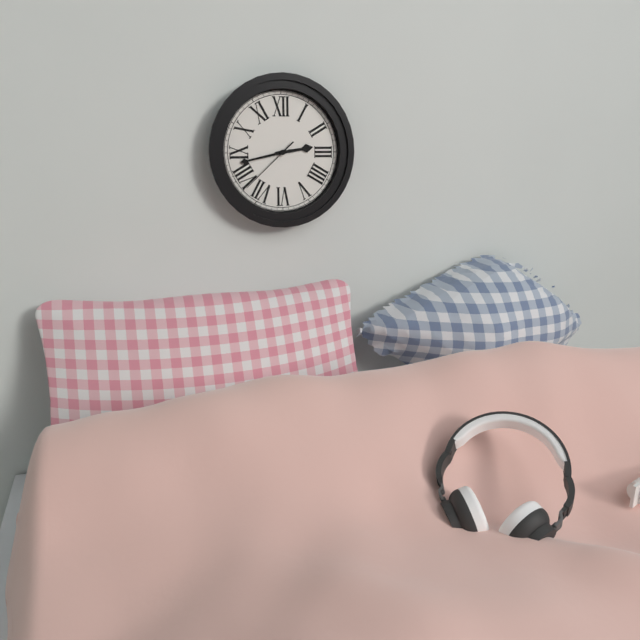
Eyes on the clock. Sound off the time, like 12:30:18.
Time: 2:43:38
